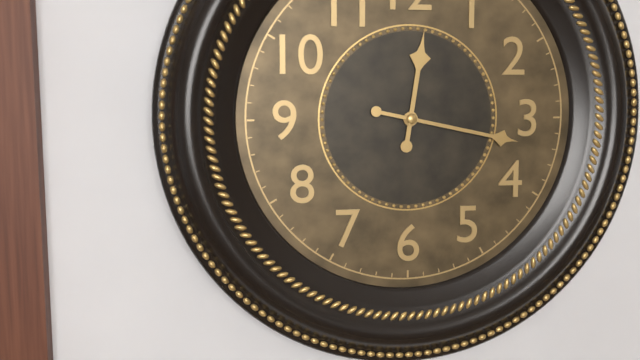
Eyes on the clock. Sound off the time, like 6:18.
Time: 12:17
